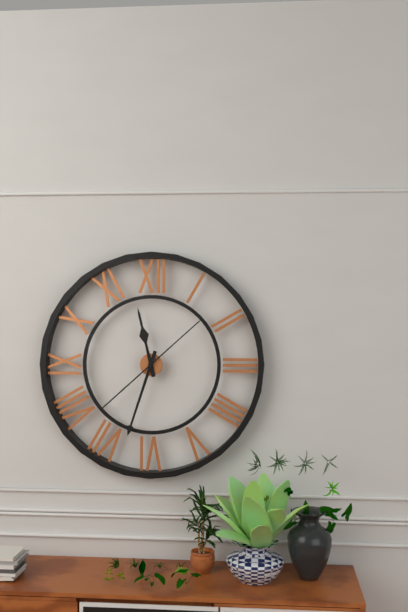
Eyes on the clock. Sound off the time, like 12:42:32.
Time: 11:33:08
